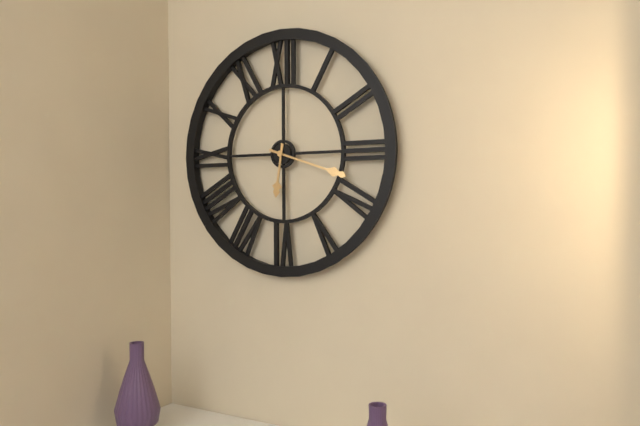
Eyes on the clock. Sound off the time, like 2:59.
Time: 6:18
